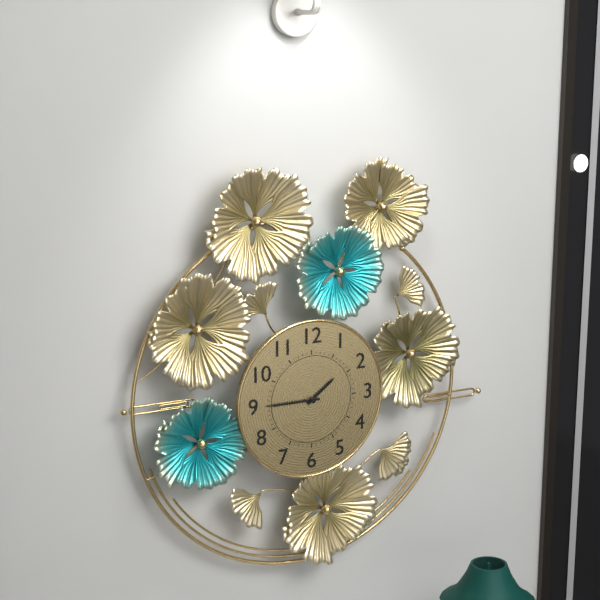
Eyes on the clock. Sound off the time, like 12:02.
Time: 1:45
